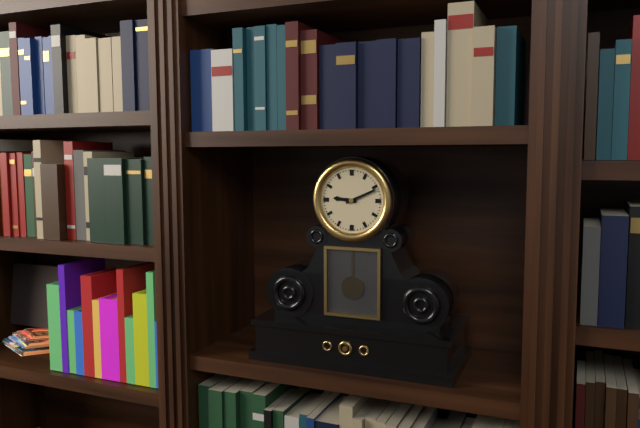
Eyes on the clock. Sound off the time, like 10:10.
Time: 9:11
